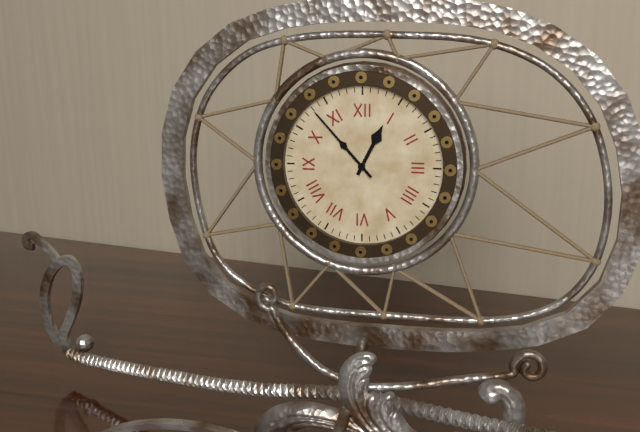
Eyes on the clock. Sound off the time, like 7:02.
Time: 12:53
